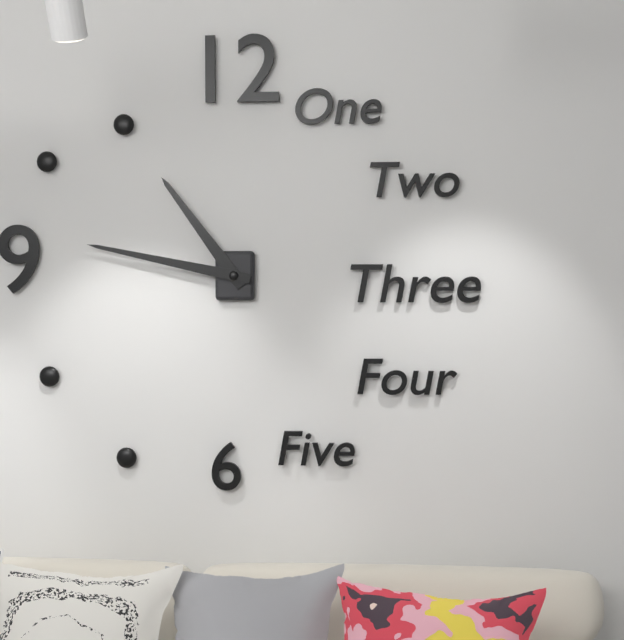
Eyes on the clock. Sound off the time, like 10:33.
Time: 10:47
